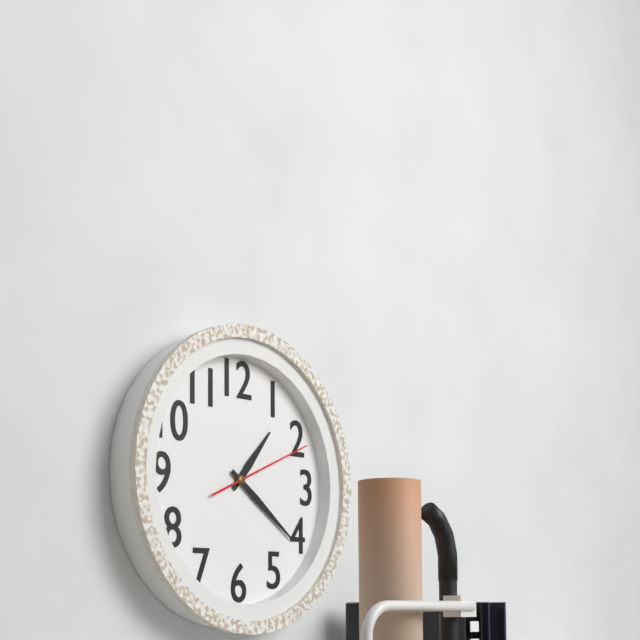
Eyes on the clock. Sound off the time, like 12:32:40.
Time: 1:21:11
